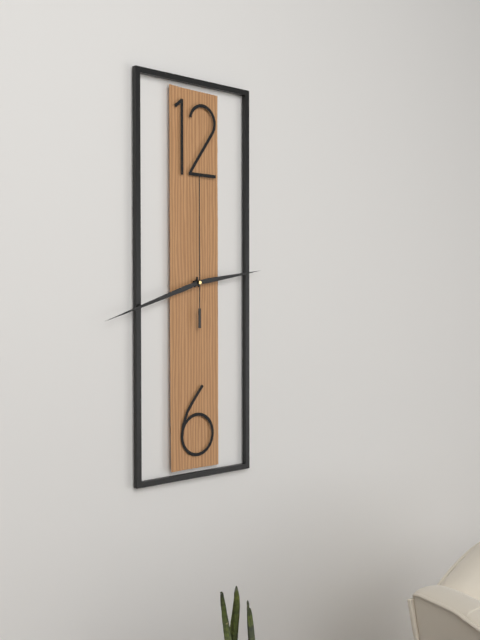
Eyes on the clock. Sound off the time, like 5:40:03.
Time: 2:42:00
